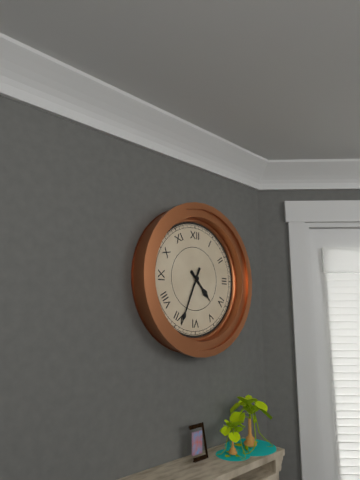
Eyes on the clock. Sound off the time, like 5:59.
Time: 4:34
